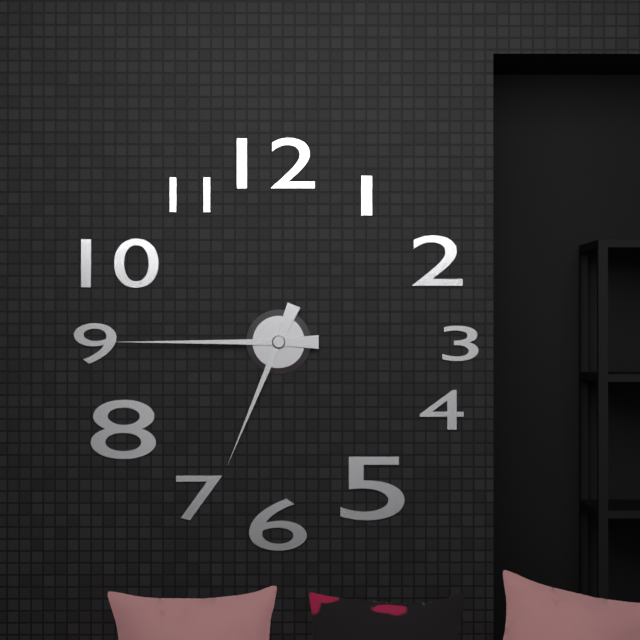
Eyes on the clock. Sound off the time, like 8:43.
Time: 6:45
